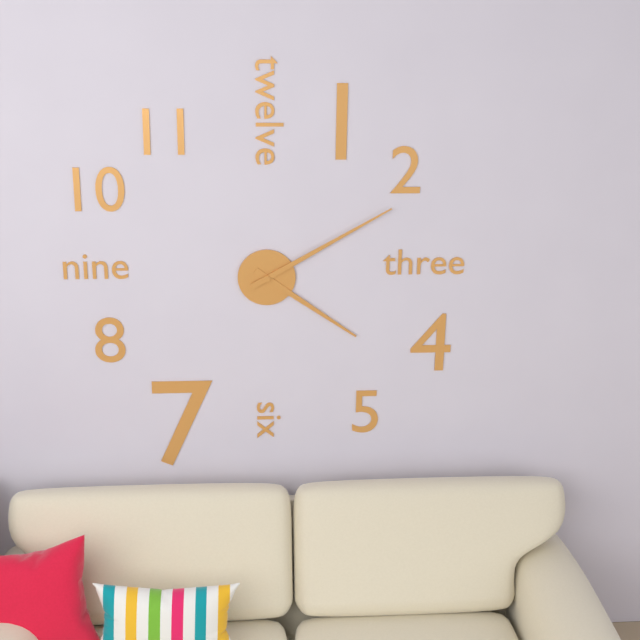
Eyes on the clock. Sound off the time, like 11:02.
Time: 4:10
